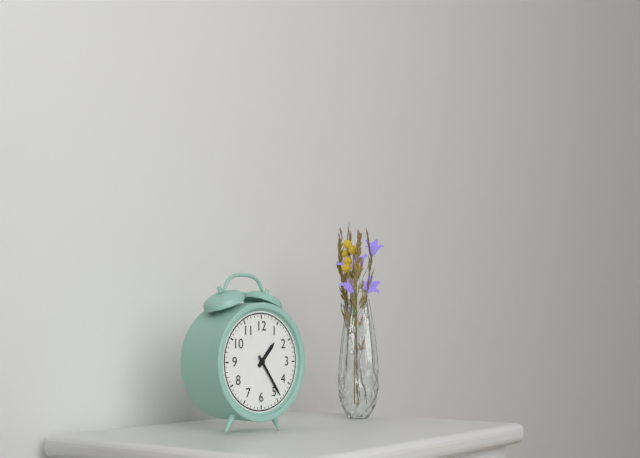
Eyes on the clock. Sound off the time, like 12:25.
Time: 1:24
